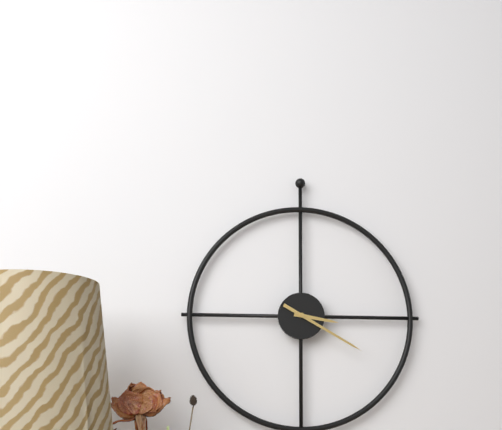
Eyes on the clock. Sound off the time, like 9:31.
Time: 3:20
